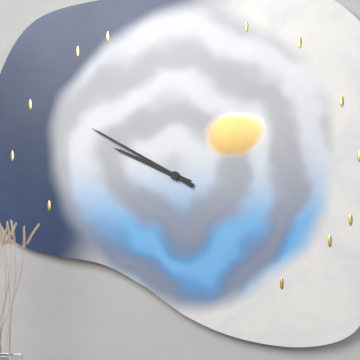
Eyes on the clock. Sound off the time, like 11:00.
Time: 9:50
